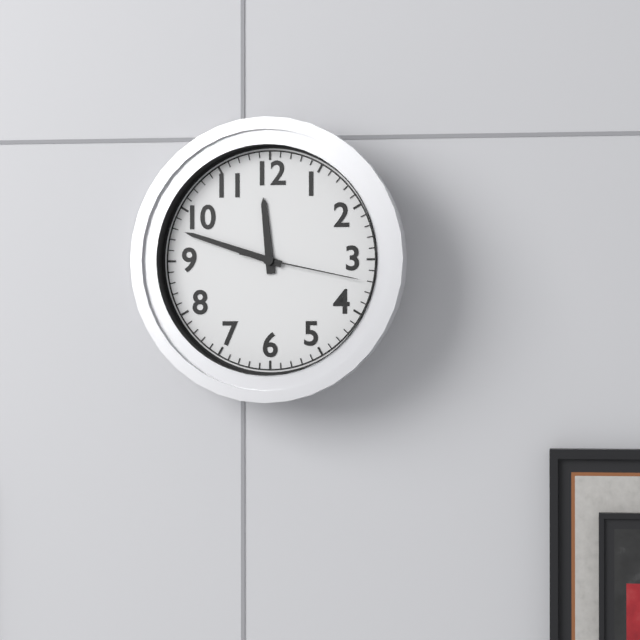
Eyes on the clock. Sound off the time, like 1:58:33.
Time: 11:48:17
